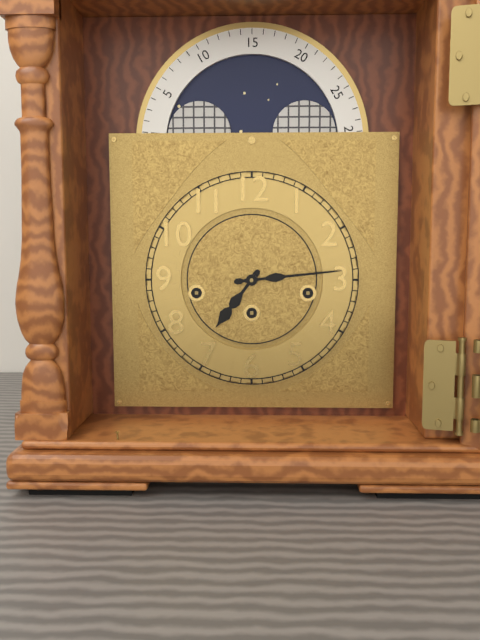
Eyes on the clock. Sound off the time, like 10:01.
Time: 7:14
